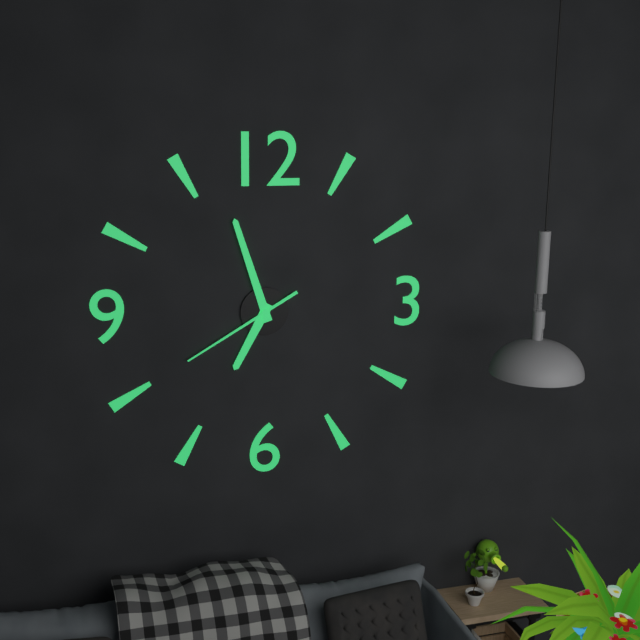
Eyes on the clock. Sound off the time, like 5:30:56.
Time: 6:57:40
